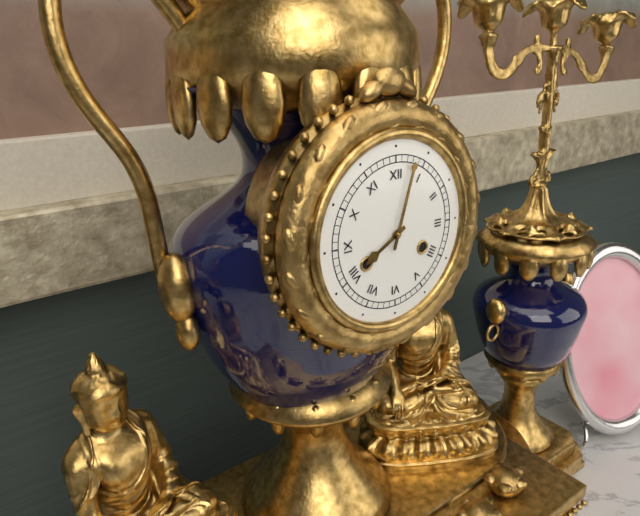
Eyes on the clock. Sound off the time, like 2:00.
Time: 8:03
